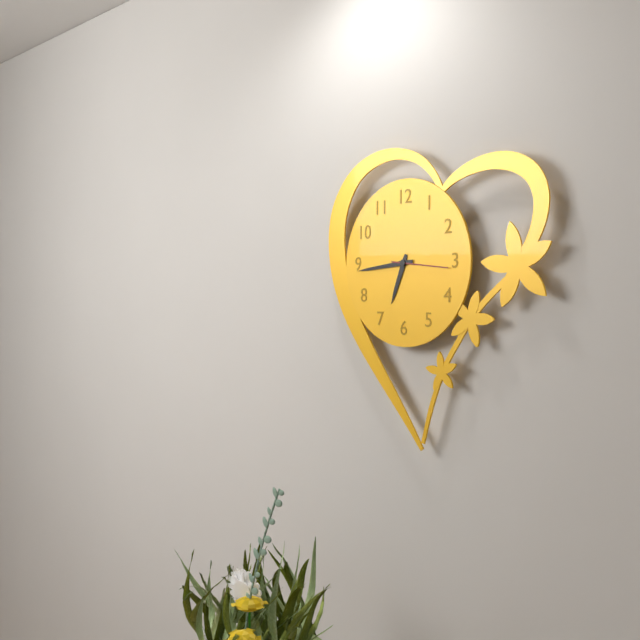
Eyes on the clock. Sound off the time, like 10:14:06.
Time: 6:44:16
